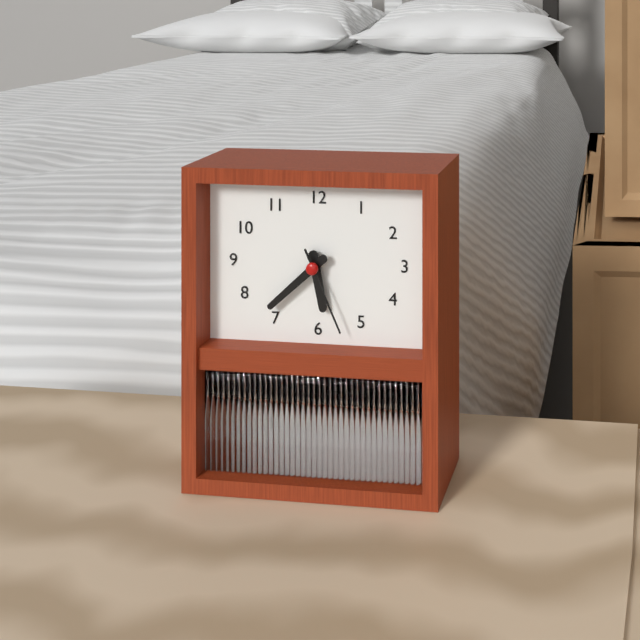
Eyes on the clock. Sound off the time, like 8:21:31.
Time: 5:38:26
